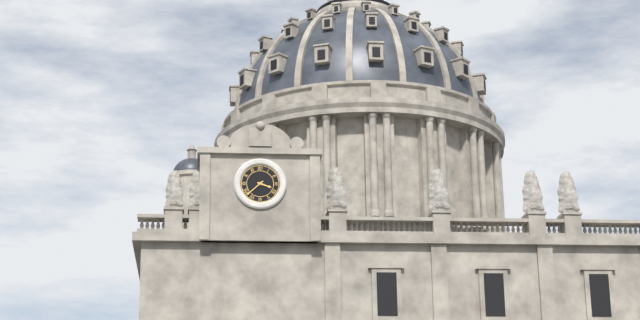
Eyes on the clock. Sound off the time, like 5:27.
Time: 3:38
